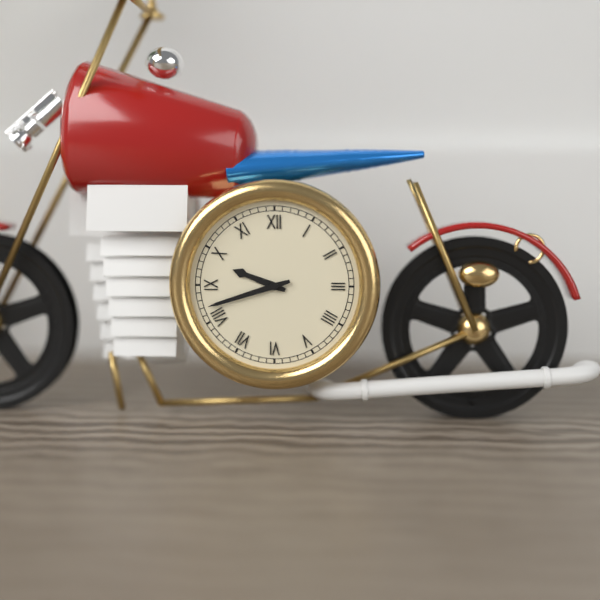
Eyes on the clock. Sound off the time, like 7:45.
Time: 9:42
